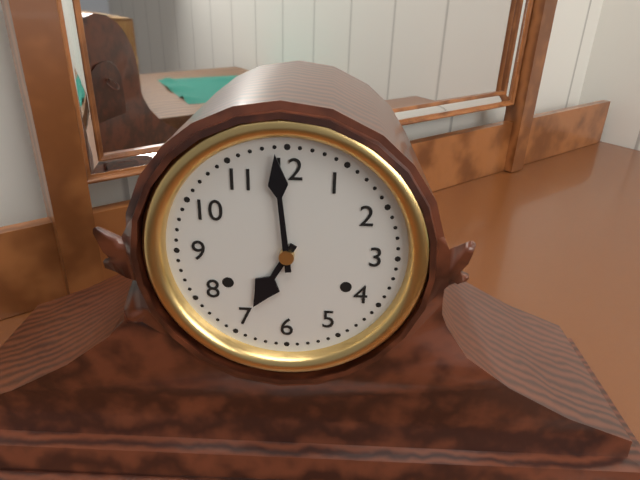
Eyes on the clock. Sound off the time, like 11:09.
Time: 6:59
